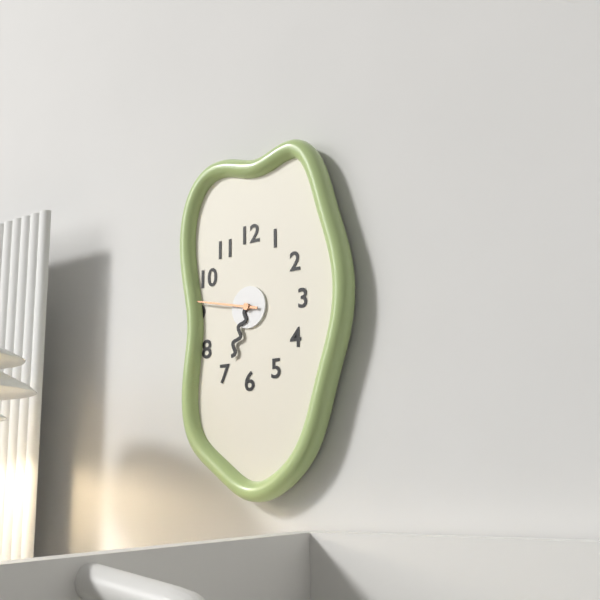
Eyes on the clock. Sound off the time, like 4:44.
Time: 6:47
